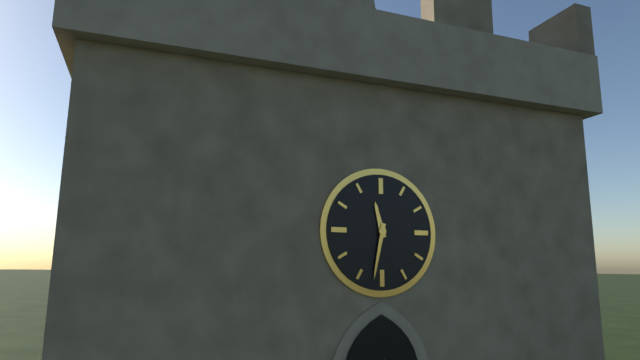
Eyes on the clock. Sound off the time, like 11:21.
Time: 11:32
